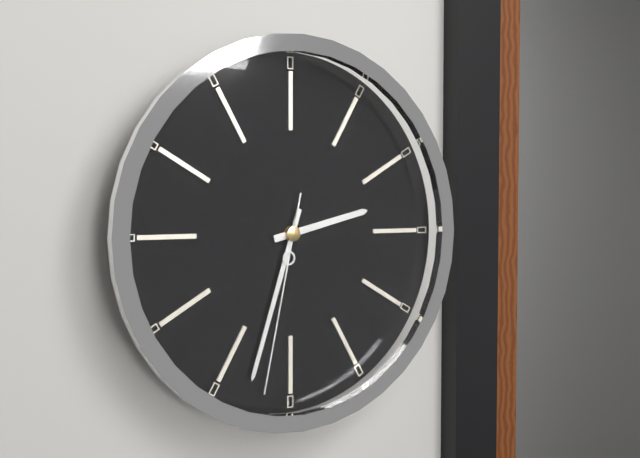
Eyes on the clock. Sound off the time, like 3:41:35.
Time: 2:33:32
